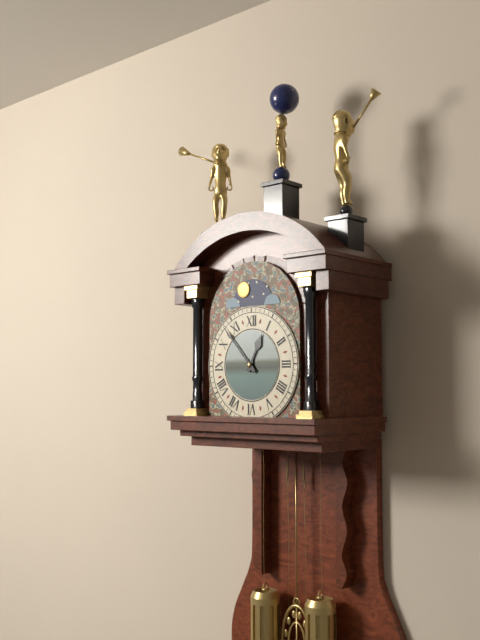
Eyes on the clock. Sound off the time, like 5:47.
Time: 12:53
